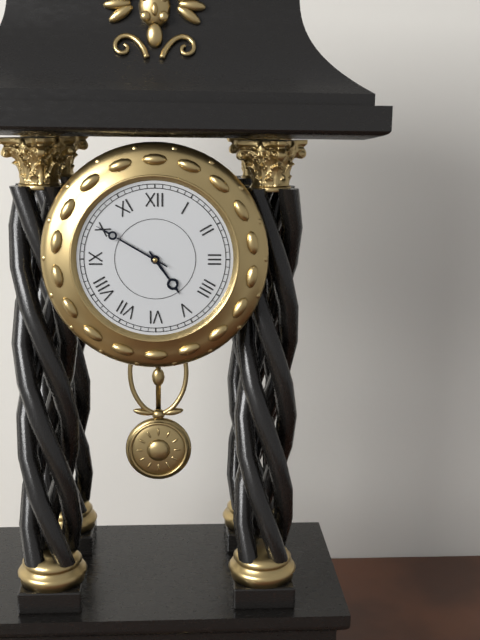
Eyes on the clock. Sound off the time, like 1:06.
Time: 4:50
